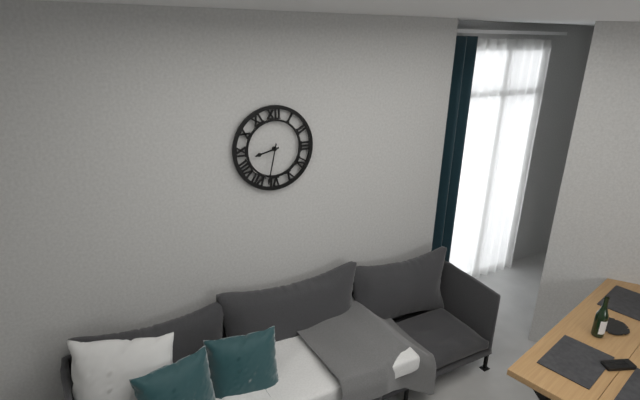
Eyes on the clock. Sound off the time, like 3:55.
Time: 8:32
